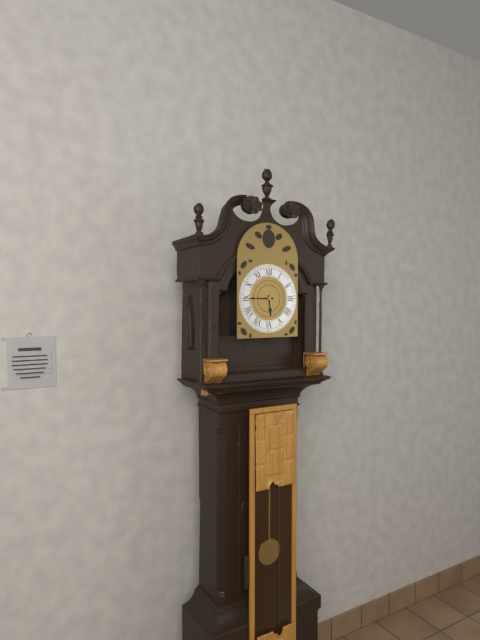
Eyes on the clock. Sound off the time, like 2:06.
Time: 5:45
